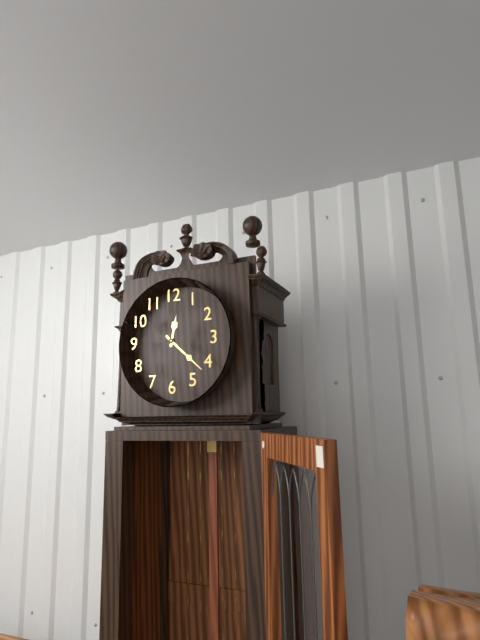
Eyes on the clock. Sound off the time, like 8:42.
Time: 12:22
